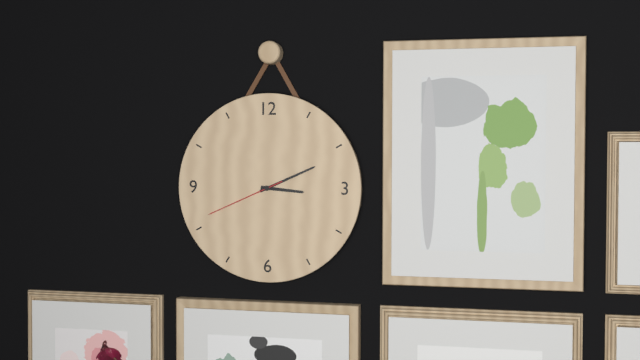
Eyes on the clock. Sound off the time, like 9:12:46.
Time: 3:11:41
